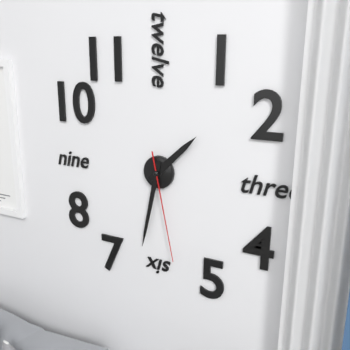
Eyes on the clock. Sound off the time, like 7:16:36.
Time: 1:32:28
